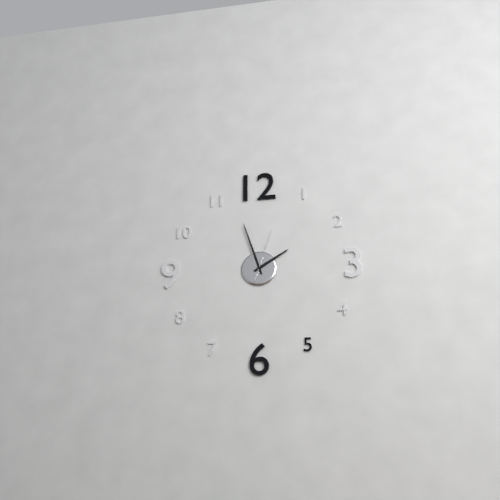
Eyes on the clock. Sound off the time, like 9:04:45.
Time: 1:57:03
